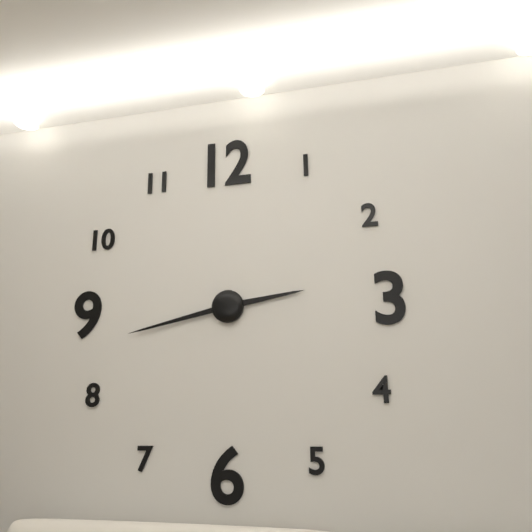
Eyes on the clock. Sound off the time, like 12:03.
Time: 2:43
